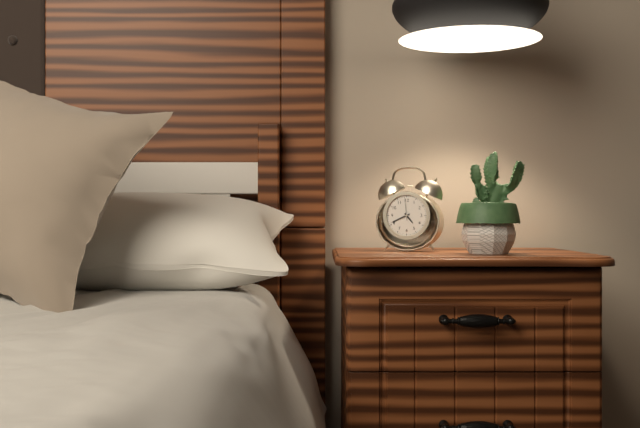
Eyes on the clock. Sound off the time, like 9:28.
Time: 4:41
